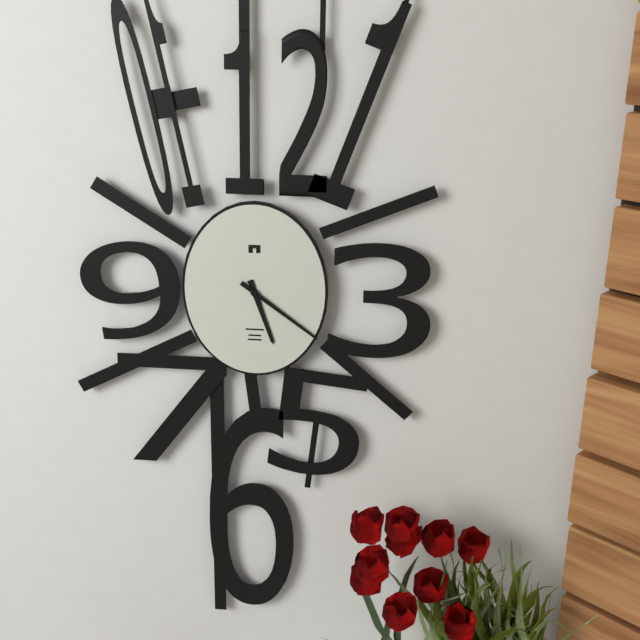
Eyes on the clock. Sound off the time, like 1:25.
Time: 5:21
